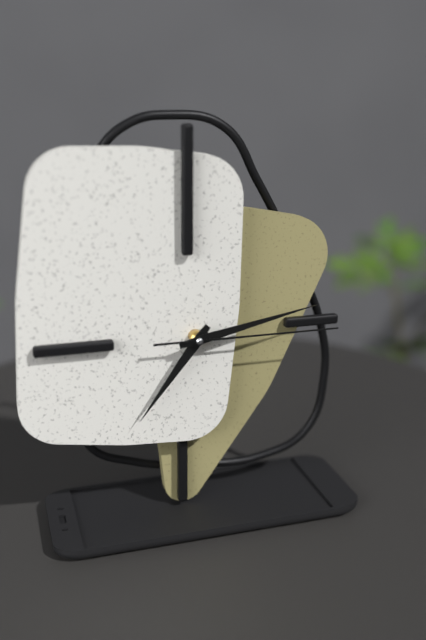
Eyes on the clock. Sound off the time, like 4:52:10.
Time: 7:13:15
